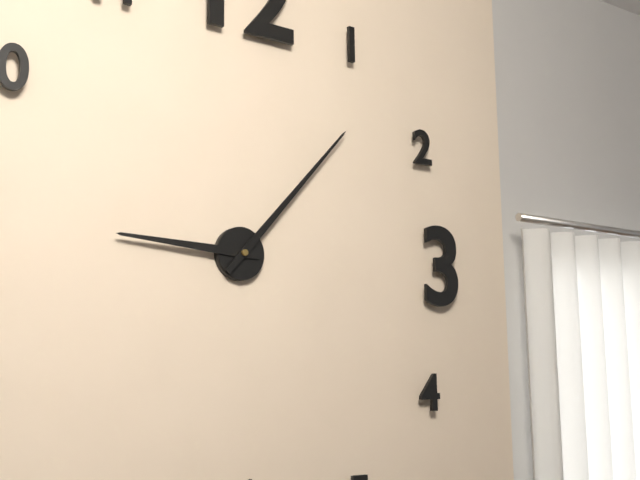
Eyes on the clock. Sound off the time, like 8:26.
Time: 9:07
